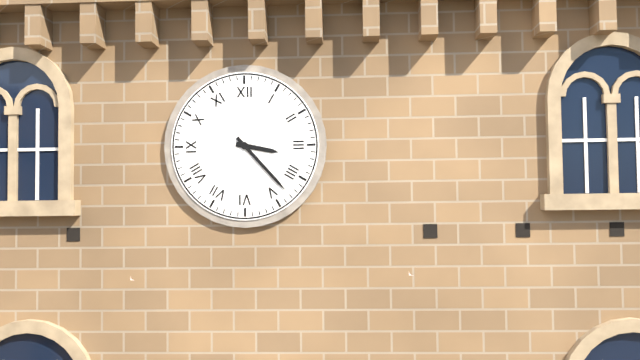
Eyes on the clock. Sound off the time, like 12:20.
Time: 3:23
